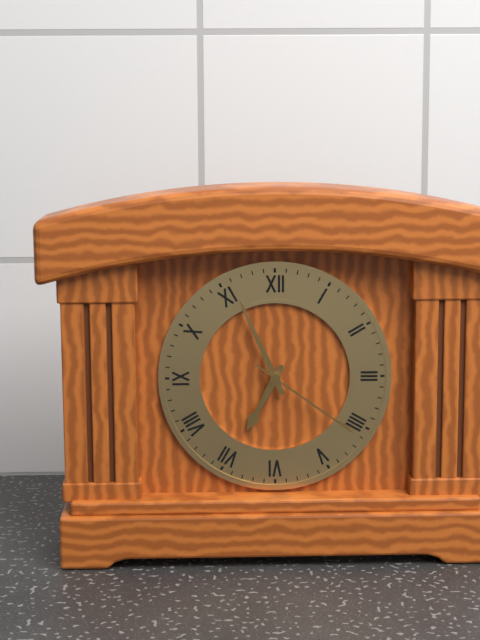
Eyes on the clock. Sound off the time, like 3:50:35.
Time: 6:56:21
